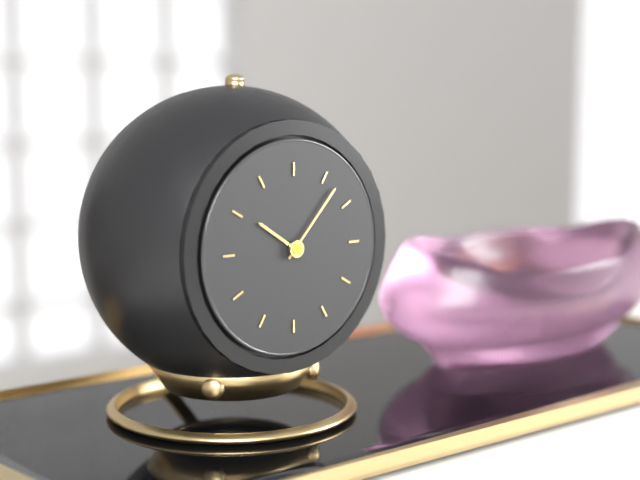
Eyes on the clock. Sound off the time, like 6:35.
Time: 10:07
